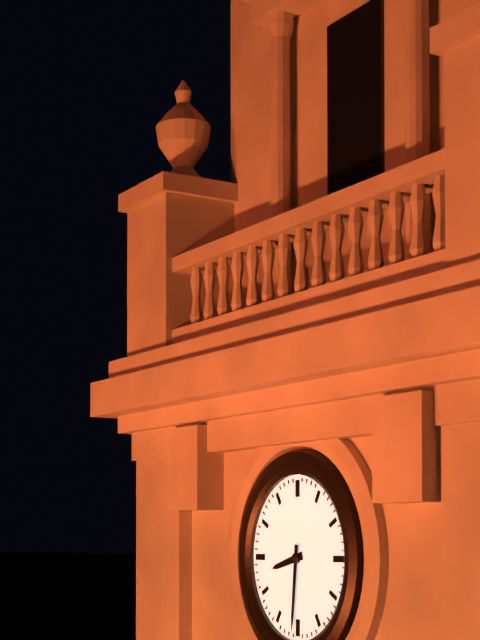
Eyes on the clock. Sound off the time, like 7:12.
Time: 8:31
